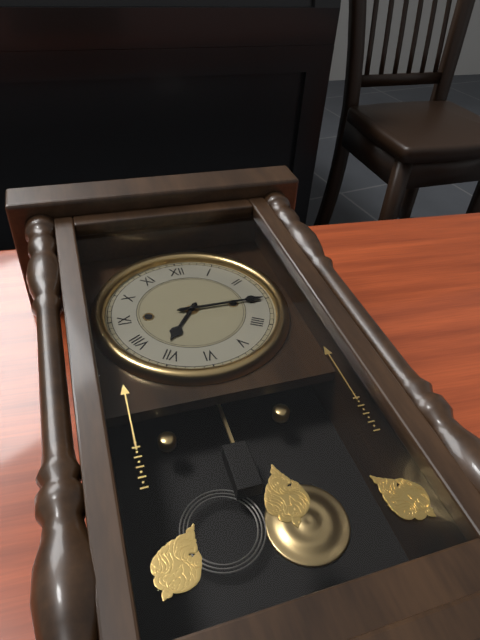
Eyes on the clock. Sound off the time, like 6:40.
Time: 7:15
